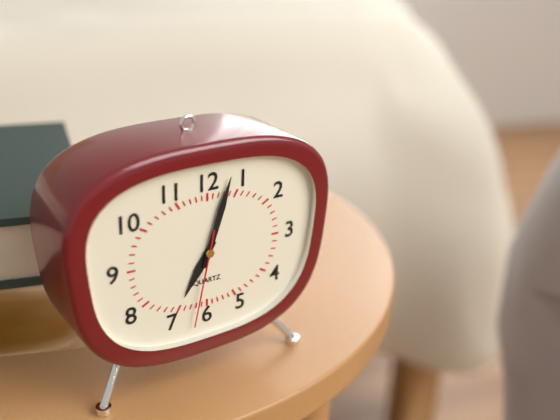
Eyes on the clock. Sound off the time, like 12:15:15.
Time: 7:03:32
